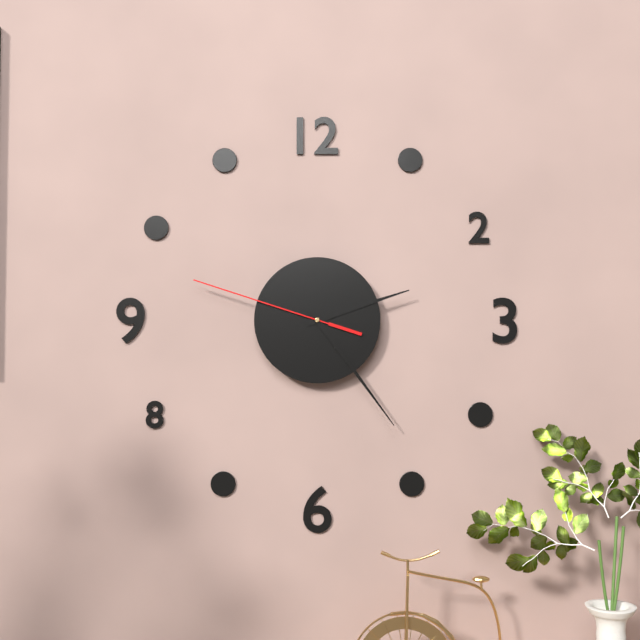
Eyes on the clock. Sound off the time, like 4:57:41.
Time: 2:24:48
